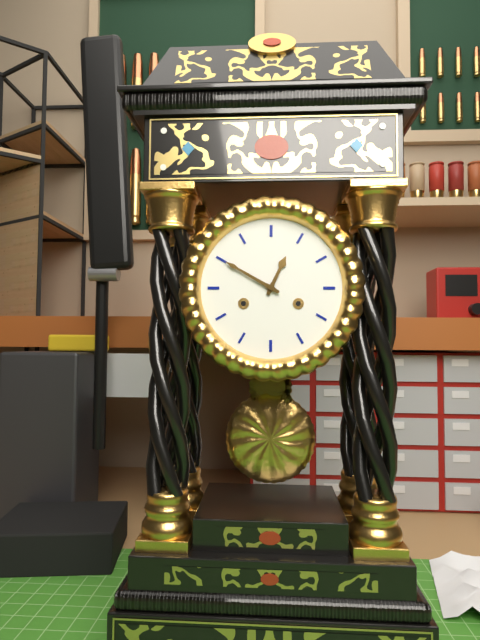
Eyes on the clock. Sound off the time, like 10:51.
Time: 12:50
